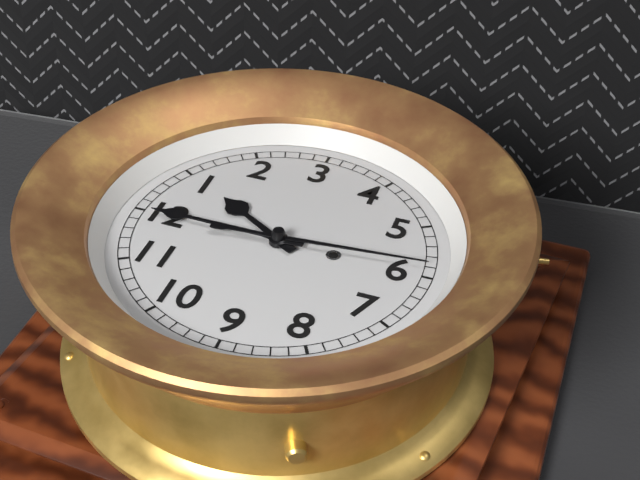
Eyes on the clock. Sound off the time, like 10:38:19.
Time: 1:00:29
